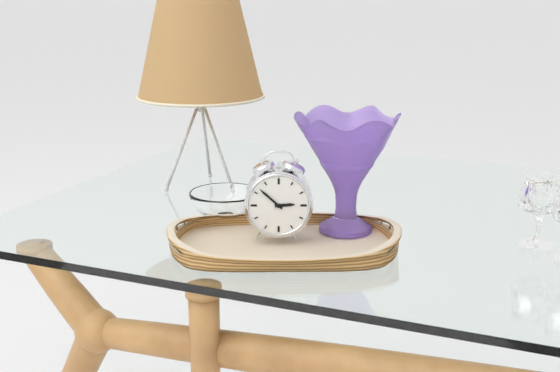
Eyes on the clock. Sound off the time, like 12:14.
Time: 2:52
